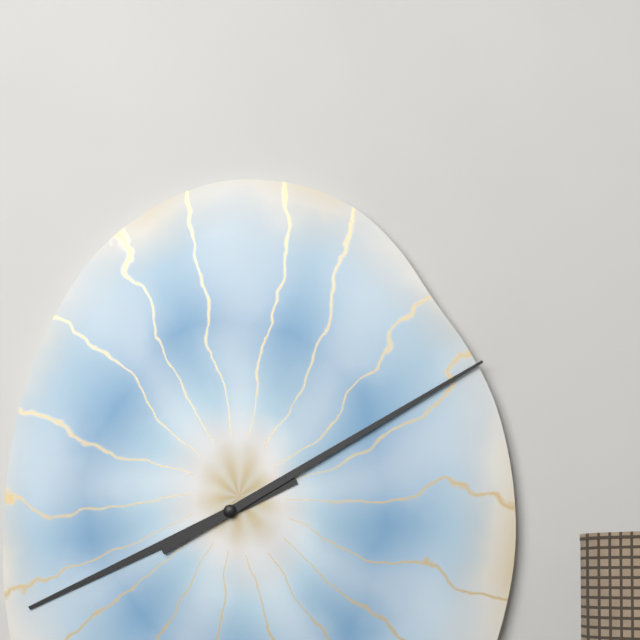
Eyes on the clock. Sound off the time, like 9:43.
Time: 8:10
